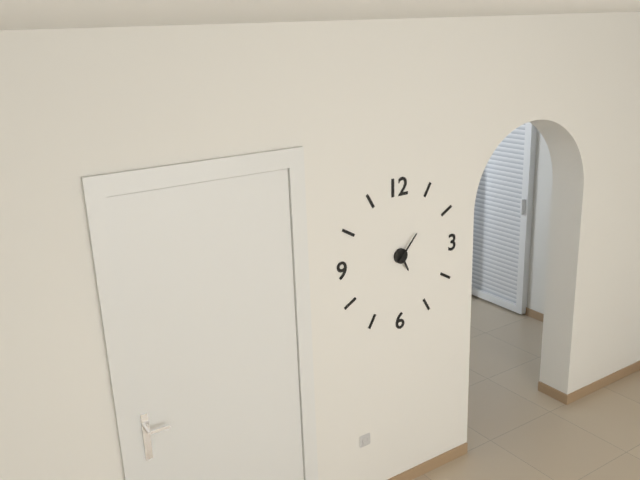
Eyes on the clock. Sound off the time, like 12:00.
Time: 5:07
